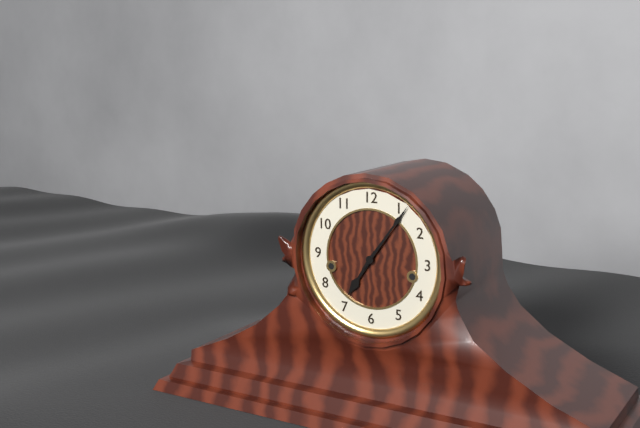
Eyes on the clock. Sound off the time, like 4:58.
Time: 7:06
